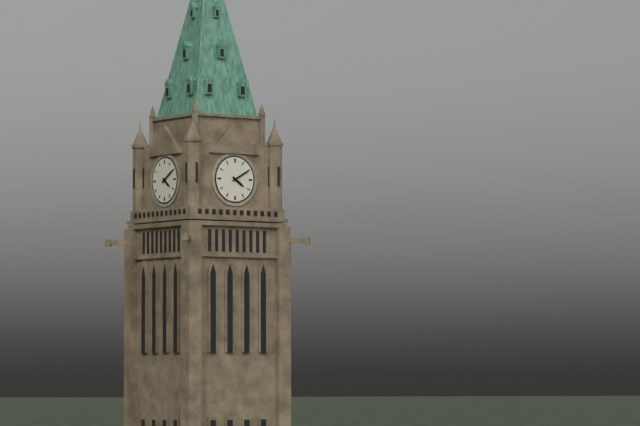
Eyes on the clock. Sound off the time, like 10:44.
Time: 4:10
